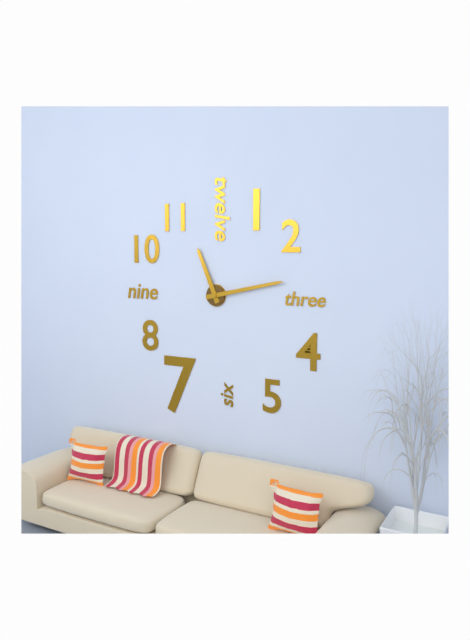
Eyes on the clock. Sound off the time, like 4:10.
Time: 11:13
